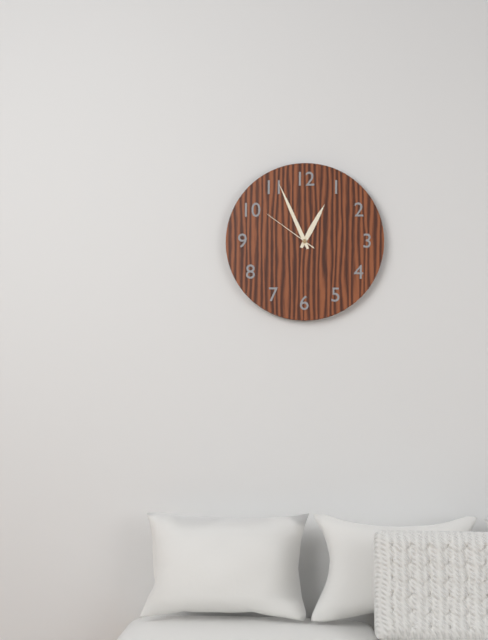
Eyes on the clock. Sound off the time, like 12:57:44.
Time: 12:56:51
